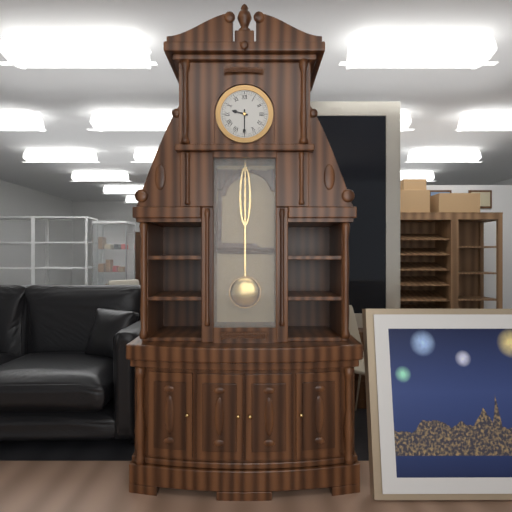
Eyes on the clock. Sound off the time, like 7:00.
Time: 9:30
